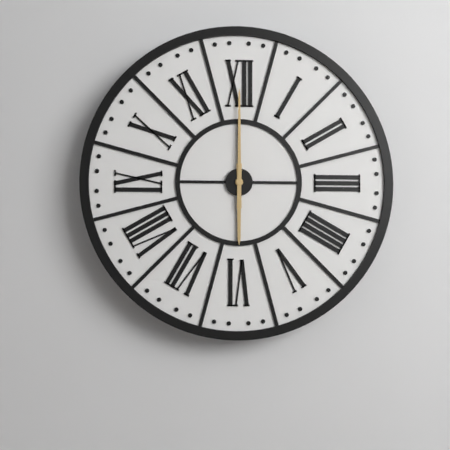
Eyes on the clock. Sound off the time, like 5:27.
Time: 6:00
